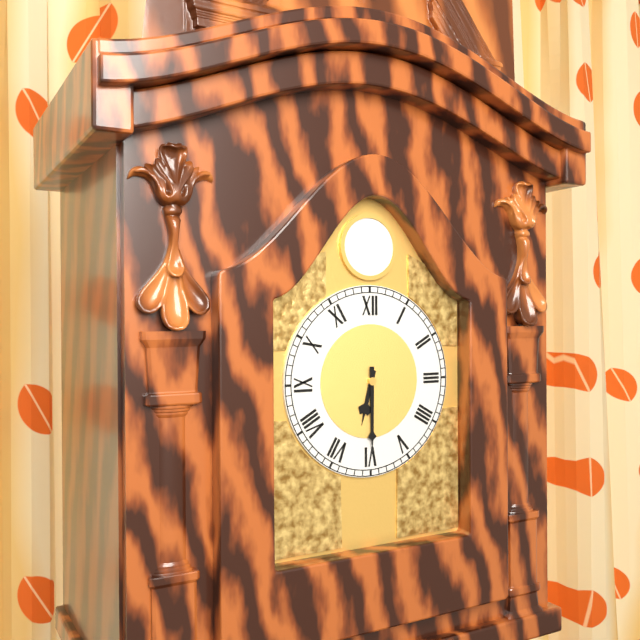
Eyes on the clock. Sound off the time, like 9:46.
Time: 6:30
